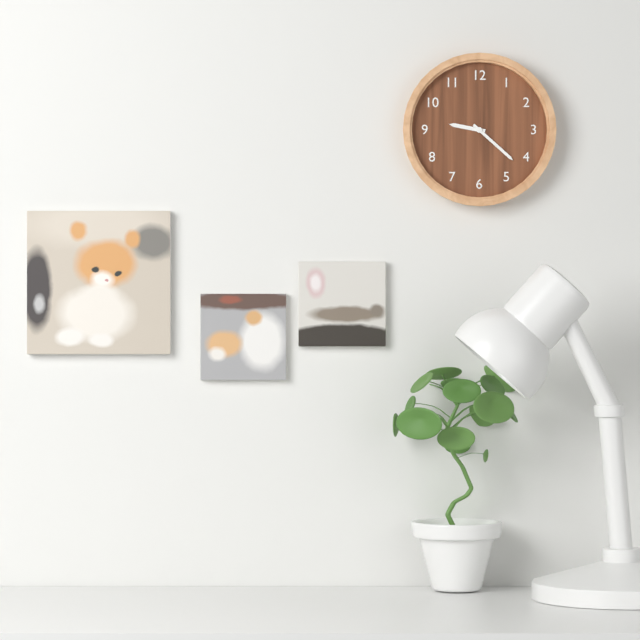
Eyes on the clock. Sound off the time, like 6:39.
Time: 9:22
